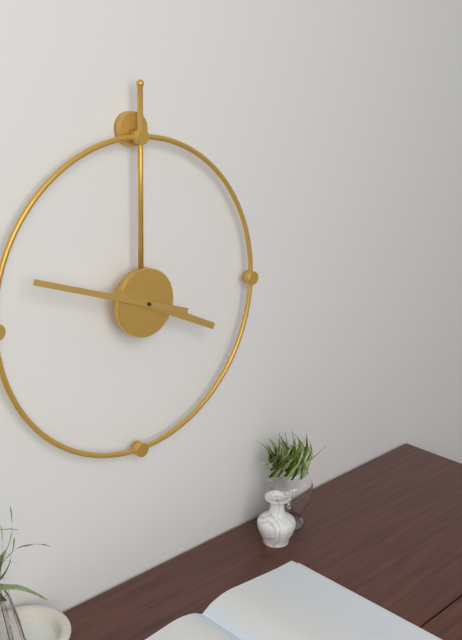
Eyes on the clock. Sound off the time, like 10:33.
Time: 3:48
